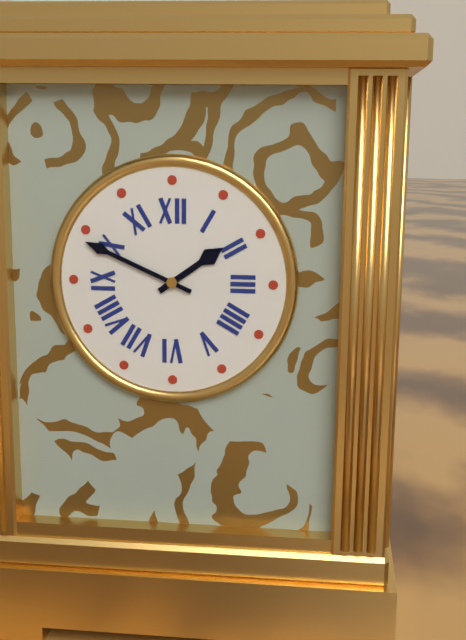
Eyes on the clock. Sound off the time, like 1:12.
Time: 1:49
